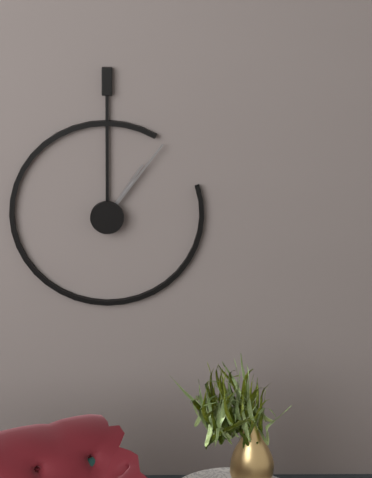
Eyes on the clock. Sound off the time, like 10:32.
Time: 1:06
